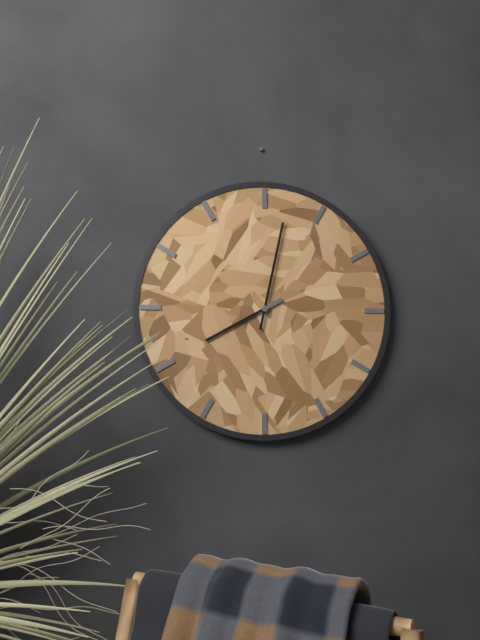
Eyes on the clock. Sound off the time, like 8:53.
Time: 8:02
